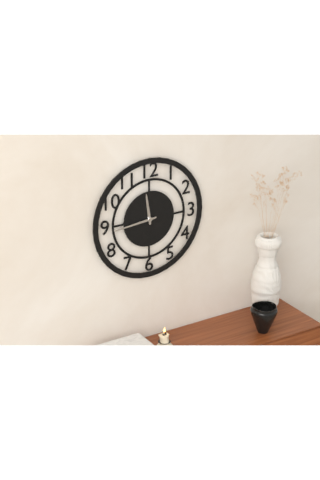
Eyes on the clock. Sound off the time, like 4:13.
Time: 11:44
